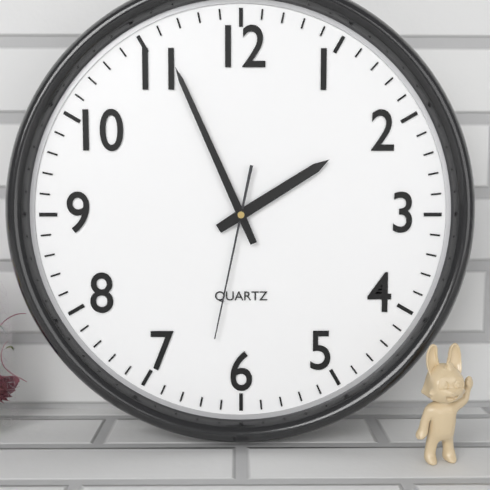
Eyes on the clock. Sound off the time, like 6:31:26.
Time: 1:56:32
